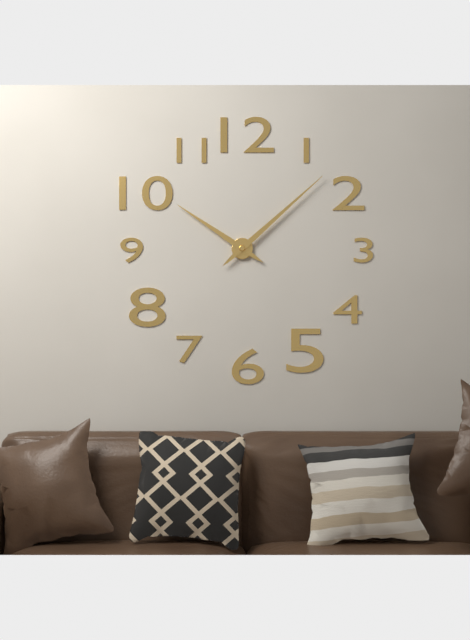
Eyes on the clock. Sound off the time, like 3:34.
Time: 10:08
